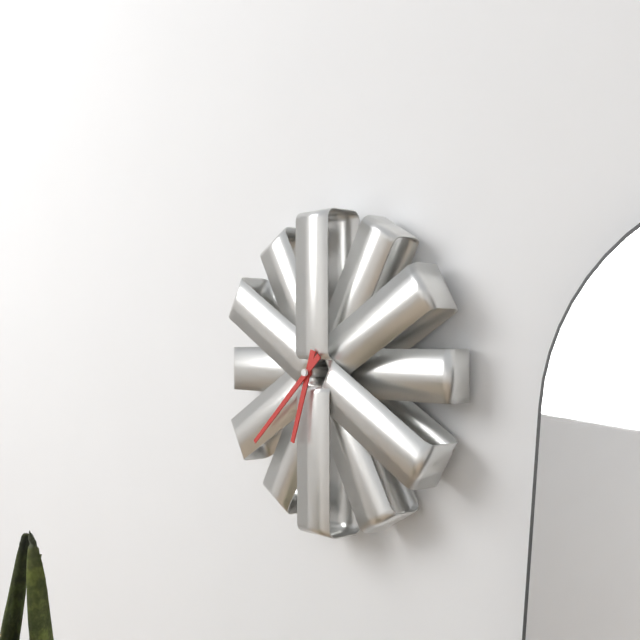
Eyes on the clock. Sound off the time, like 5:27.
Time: 6:38
